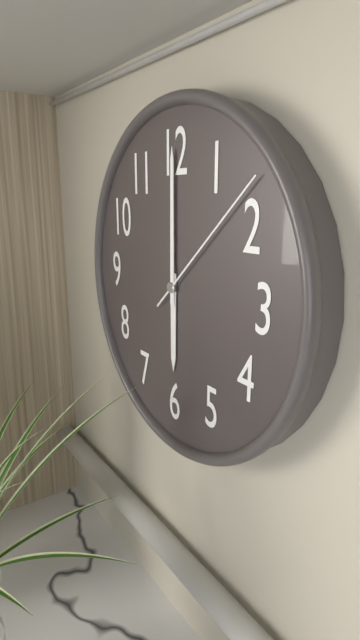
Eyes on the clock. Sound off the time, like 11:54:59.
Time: 6:00:08
